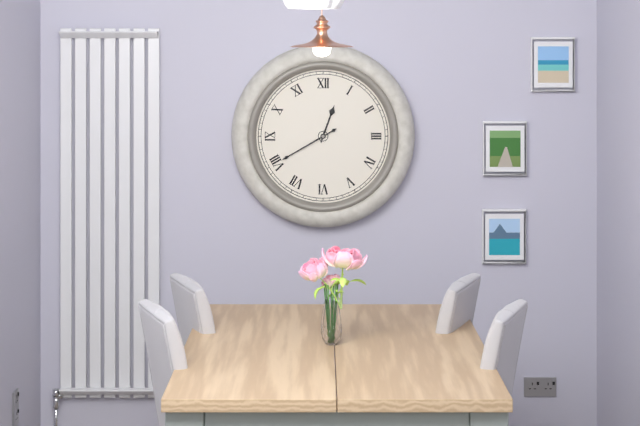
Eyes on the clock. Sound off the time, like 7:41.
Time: 12:40
